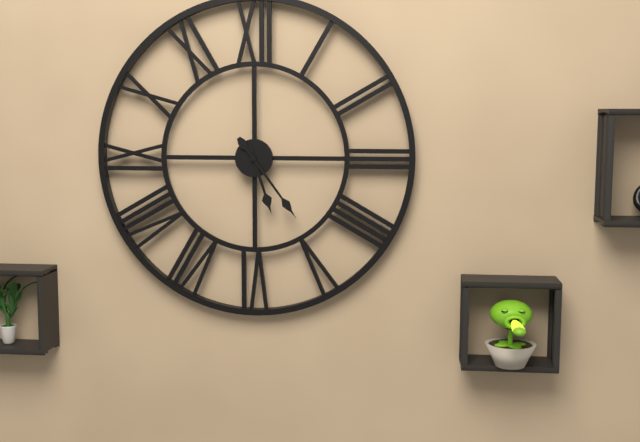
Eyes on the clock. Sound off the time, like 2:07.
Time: 5:24
